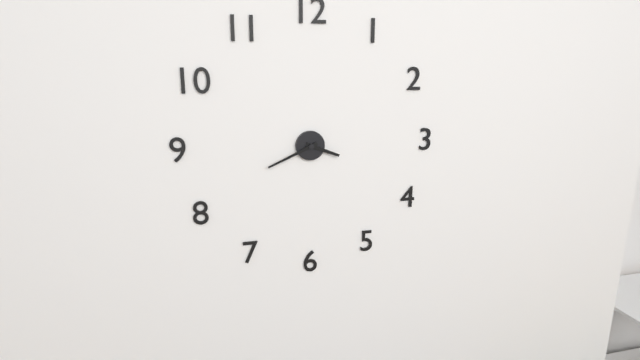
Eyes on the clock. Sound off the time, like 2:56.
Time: 3:41
